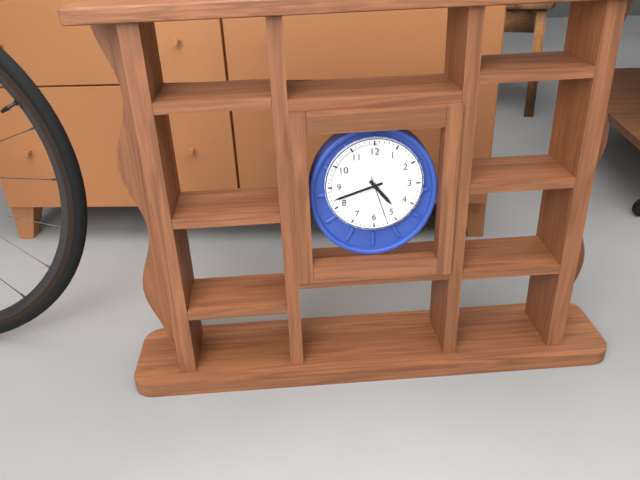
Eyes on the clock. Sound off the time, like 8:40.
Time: 4:42
